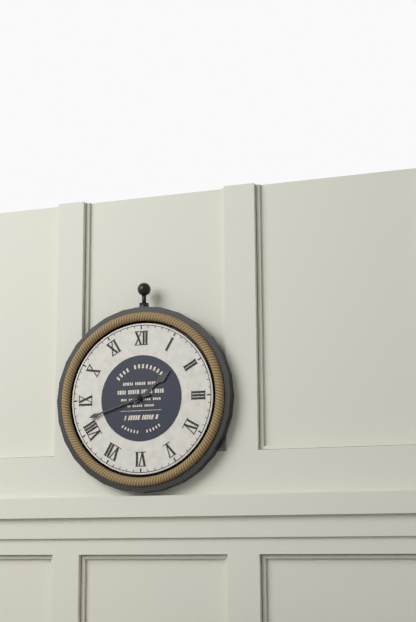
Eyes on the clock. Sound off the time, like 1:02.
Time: 1:42
